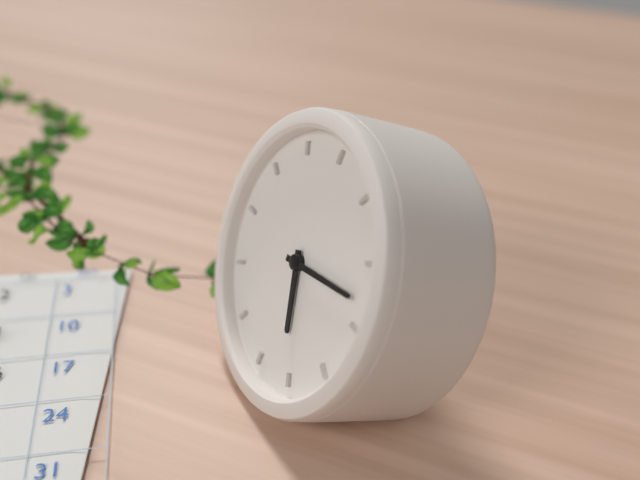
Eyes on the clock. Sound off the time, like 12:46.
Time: 5:13
